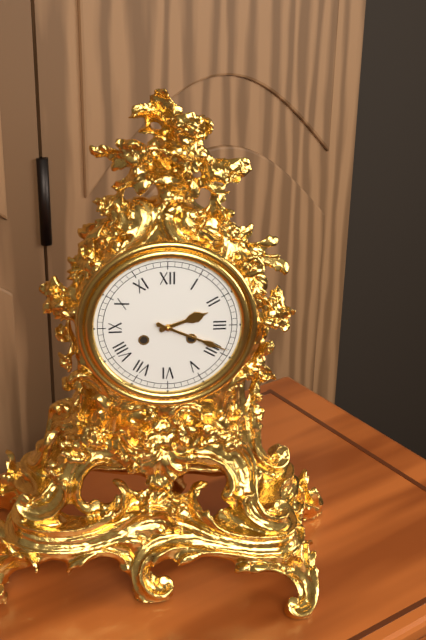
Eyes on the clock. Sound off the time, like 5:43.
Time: 2:19
